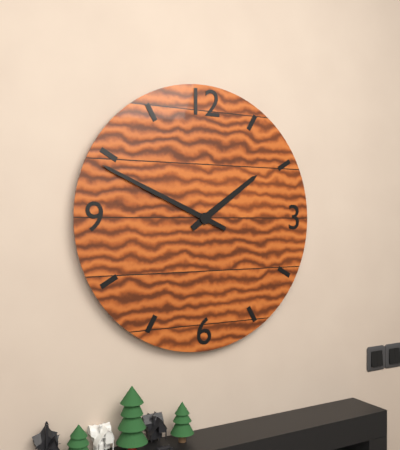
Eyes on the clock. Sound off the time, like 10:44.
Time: 1:49
